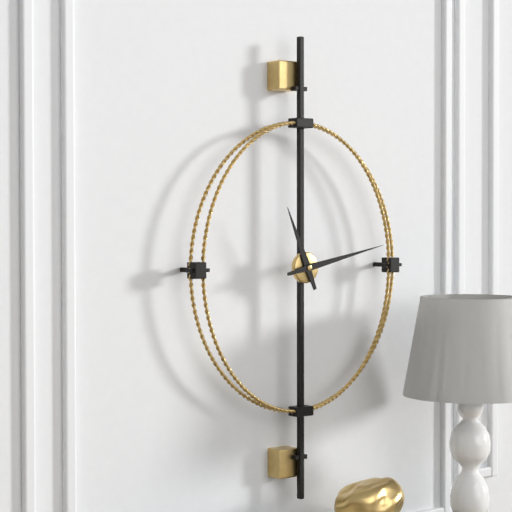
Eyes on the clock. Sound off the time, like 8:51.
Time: 11:13
